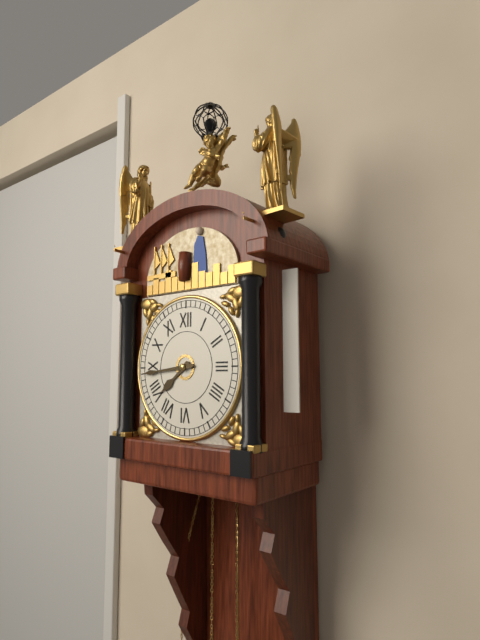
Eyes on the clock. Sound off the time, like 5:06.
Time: 7:44
